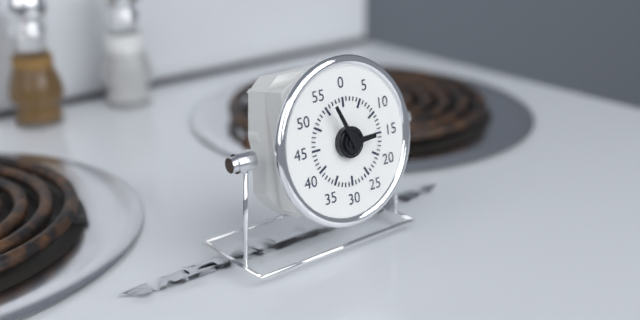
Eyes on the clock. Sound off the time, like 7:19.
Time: 2:56
